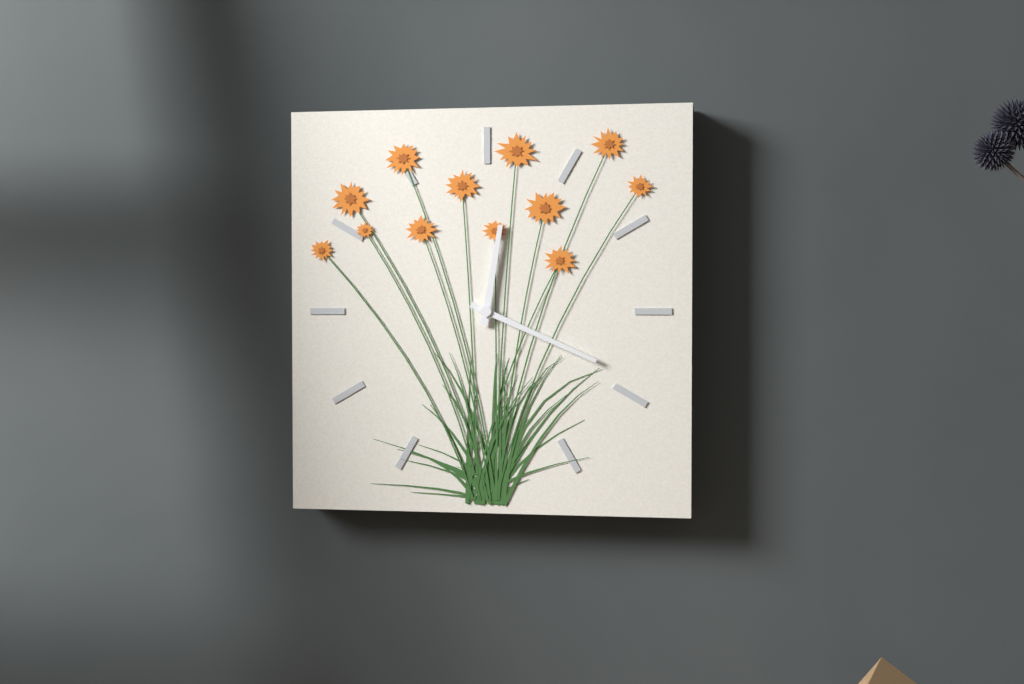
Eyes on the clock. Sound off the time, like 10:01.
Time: 12:19
